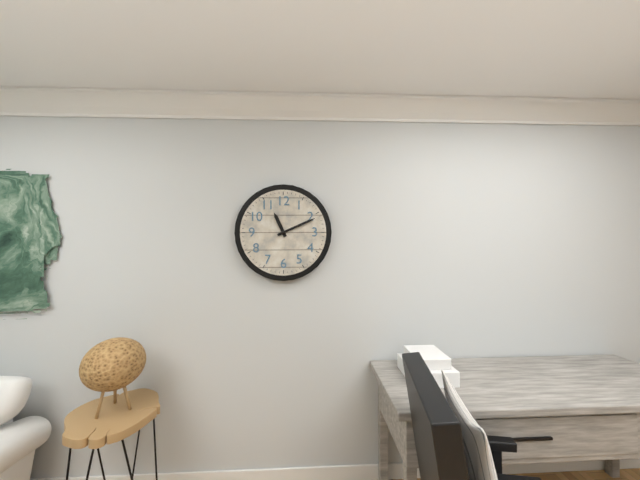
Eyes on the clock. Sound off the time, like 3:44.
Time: 11:11
